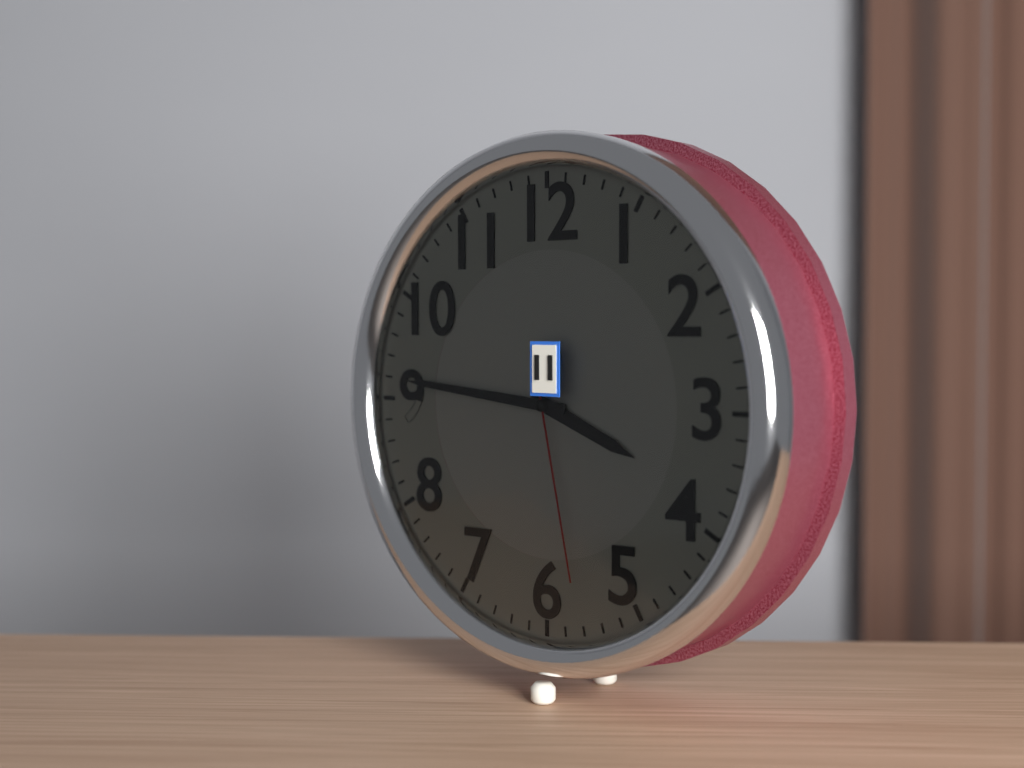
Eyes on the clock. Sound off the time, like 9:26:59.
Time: 3:46:28
